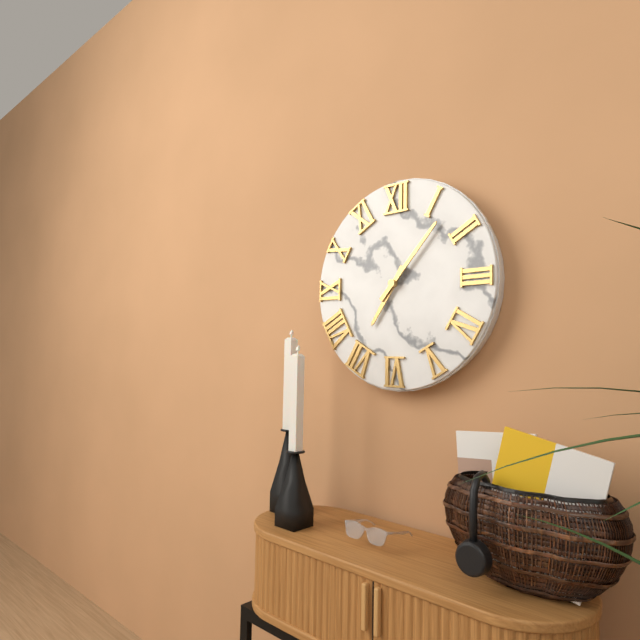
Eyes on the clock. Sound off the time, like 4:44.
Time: 7:07
